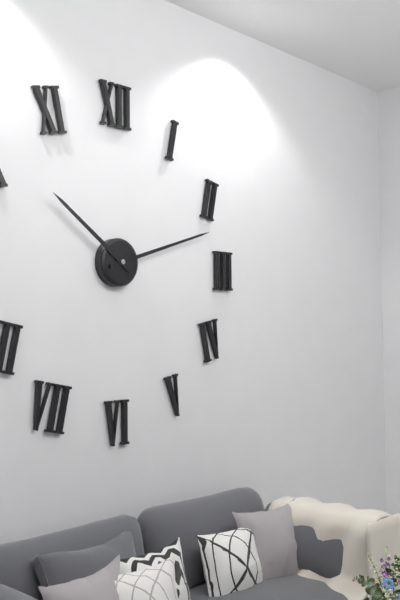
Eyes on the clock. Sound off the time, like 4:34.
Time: 10:12
